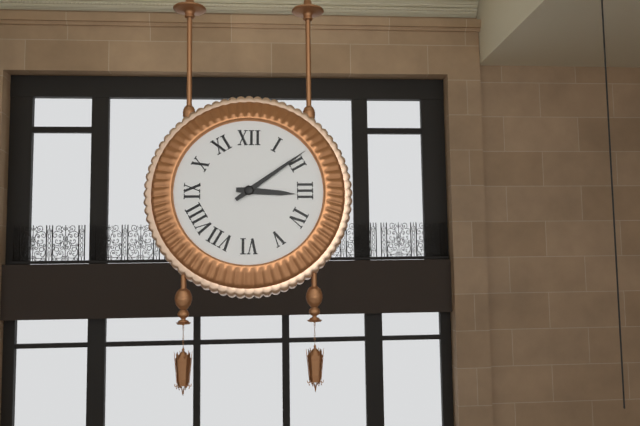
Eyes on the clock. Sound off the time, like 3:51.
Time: 3:09
